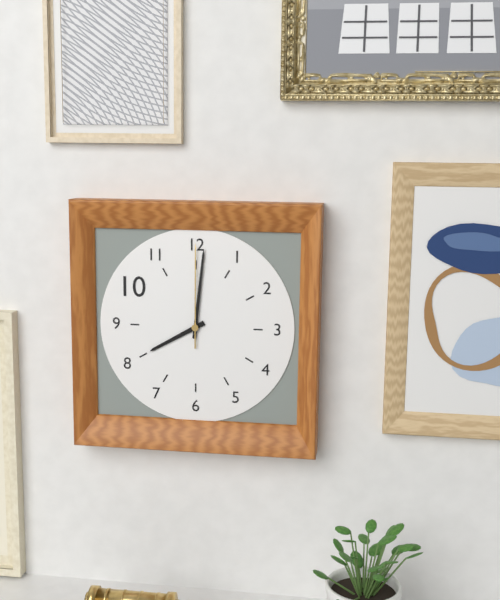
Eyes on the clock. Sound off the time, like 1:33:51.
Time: 8:01:00
